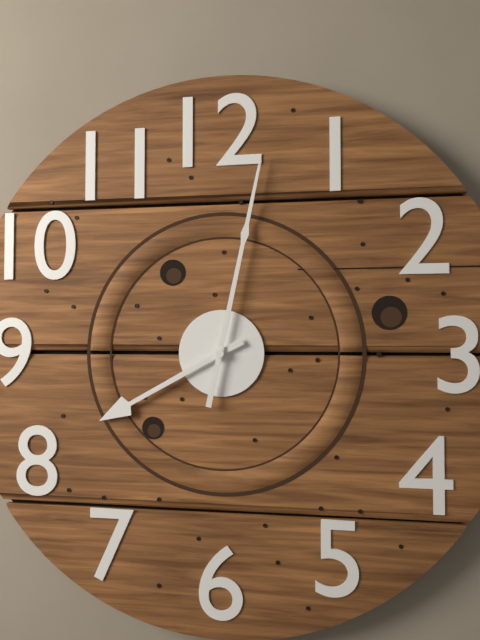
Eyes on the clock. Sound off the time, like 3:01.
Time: 8:02
